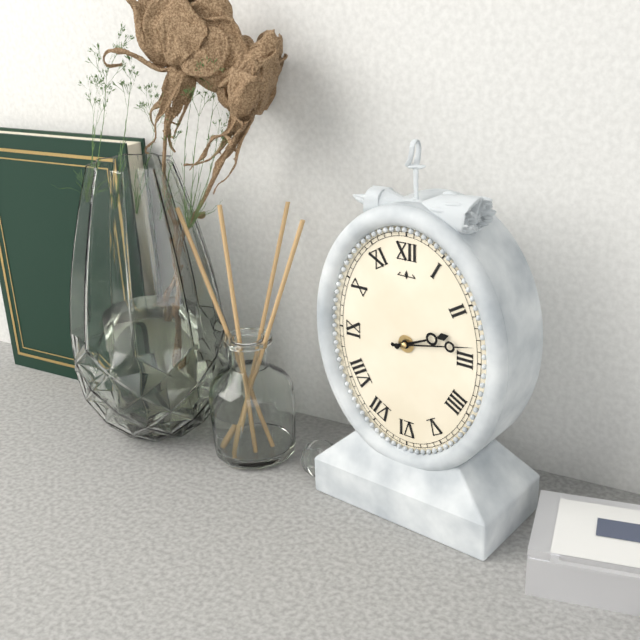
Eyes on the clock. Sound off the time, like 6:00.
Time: 2:13
